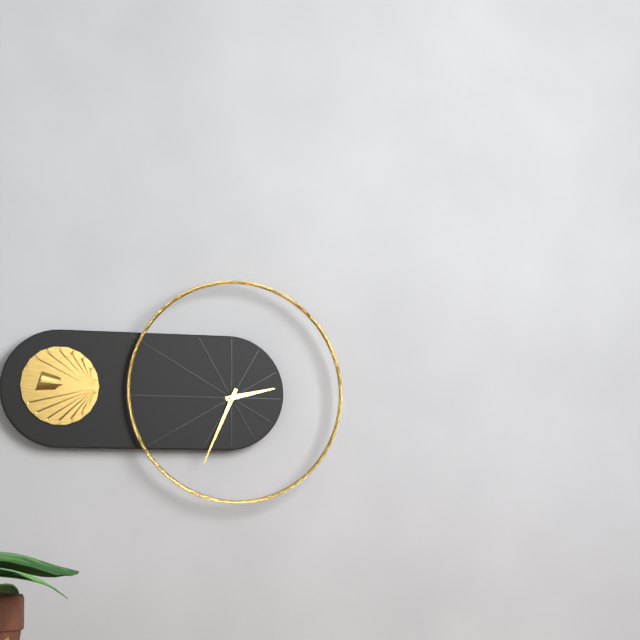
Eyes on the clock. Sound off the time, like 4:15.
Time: 2:34
